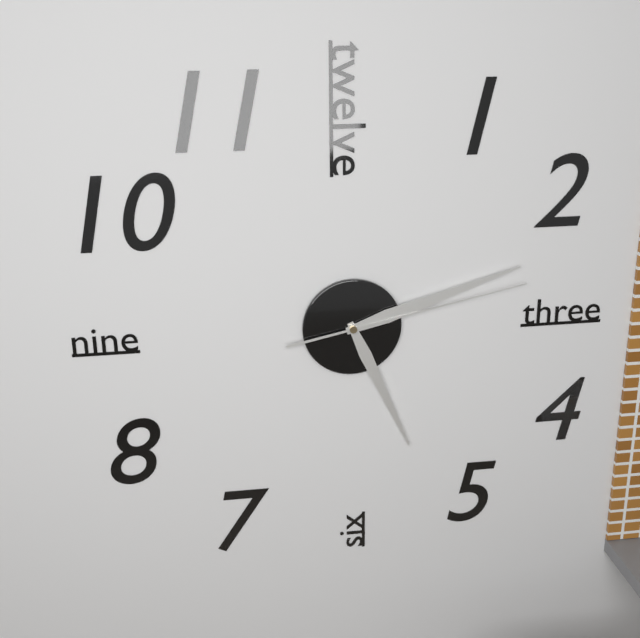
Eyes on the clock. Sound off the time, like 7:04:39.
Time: 5:12:13
